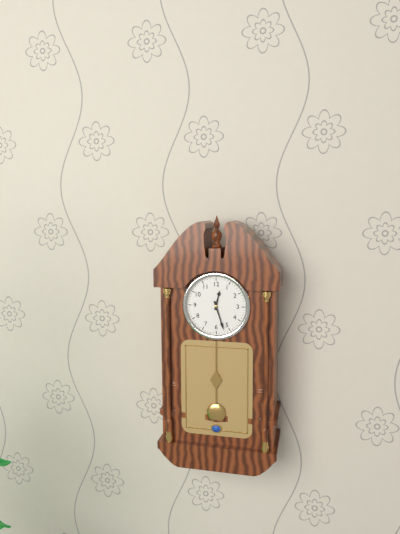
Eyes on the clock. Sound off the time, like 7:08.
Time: 12:27
